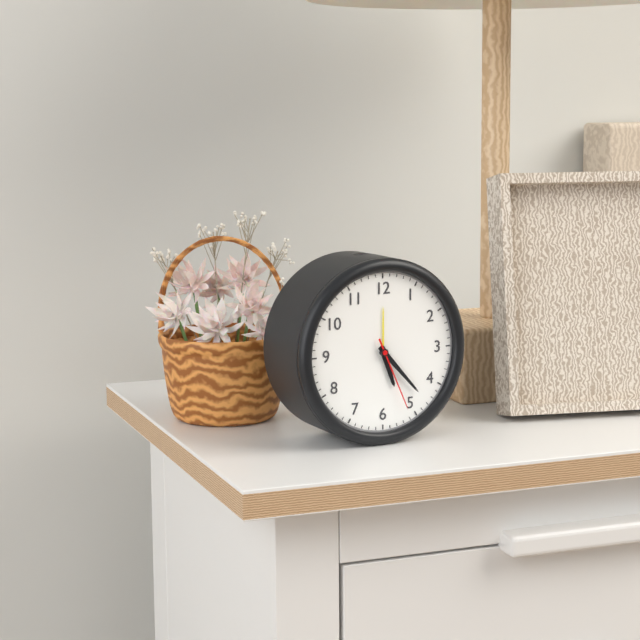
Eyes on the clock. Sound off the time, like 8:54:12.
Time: 5:23:26
